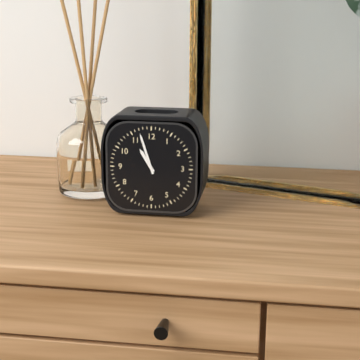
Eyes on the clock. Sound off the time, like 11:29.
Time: 10:57
